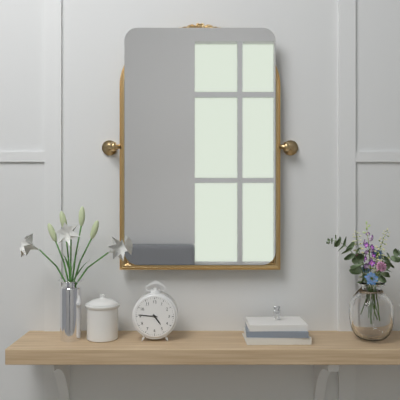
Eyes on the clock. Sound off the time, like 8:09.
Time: 4:46
